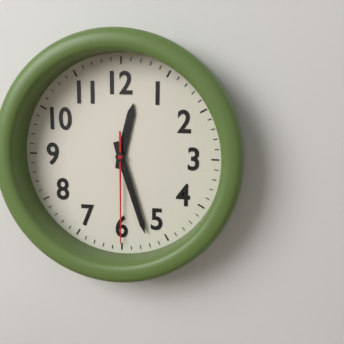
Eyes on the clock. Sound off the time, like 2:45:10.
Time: 12:27:30
